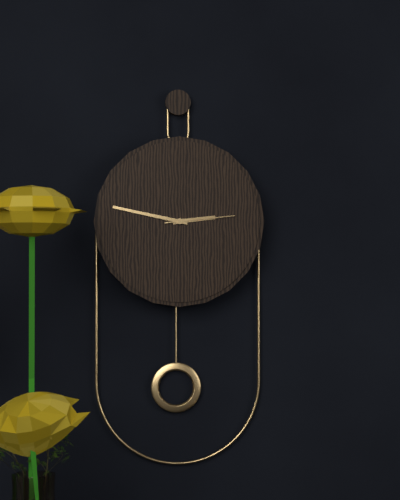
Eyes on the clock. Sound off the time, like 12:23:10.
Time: 2:47:14
